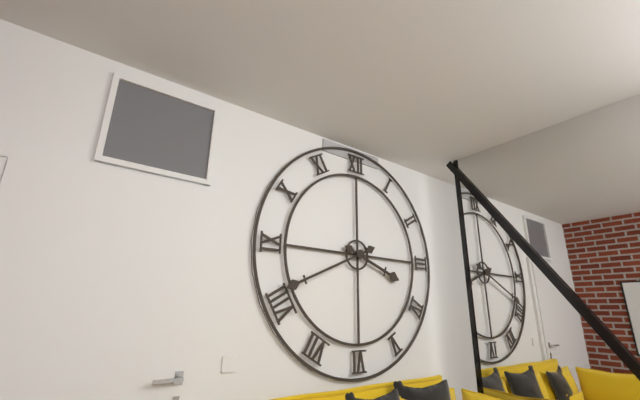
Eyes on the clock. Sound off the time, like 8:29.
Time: 3:41
